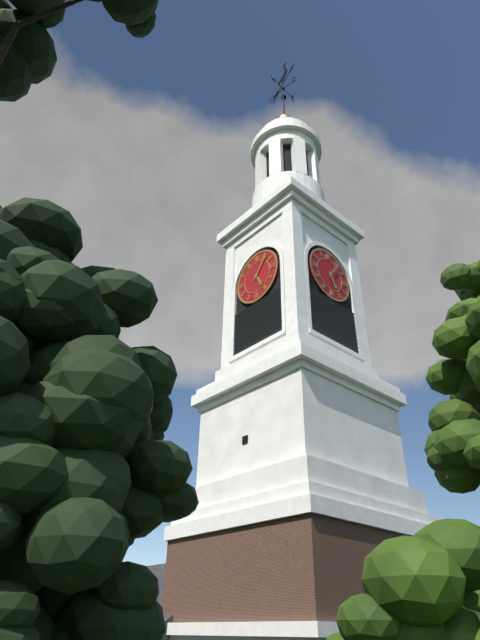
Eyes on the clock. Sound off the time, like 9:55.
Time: 5:06
